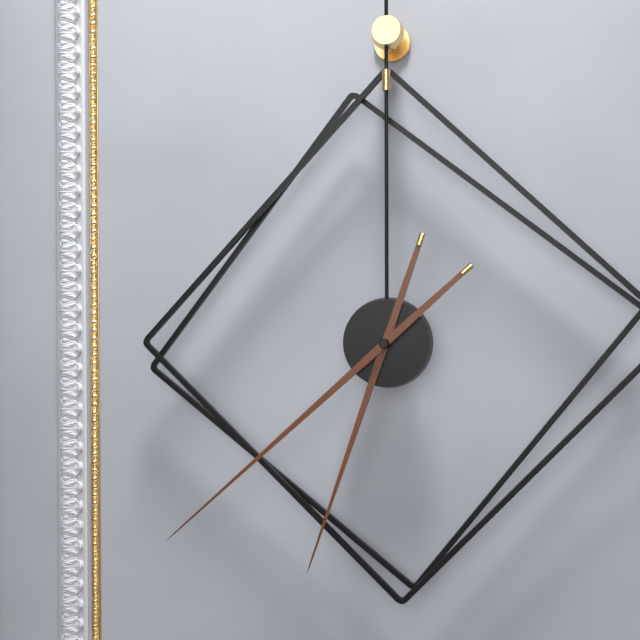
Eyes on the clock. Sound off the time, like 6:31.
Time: 6:38
